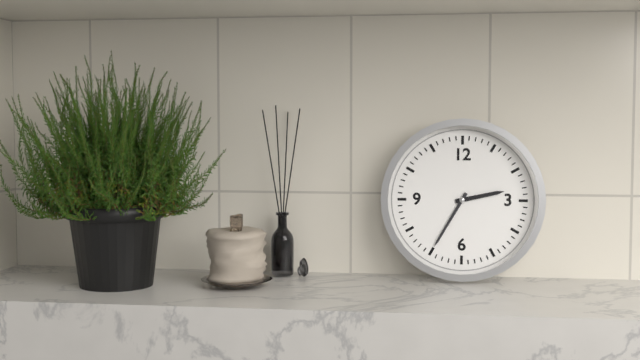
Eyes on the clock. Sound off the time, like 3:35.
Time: 2:35
